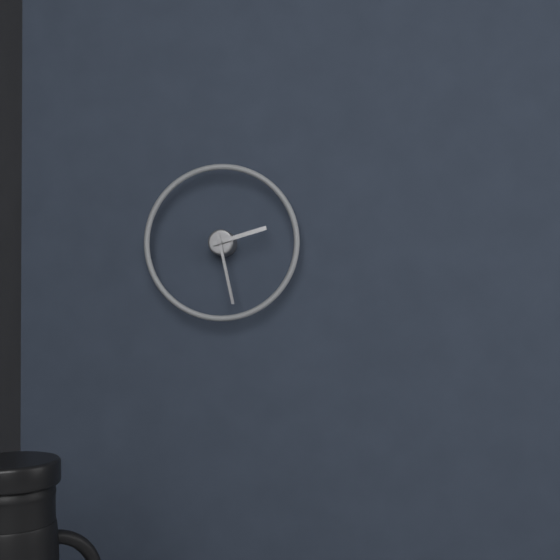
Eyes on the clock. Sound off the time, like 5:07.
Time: 2:28
